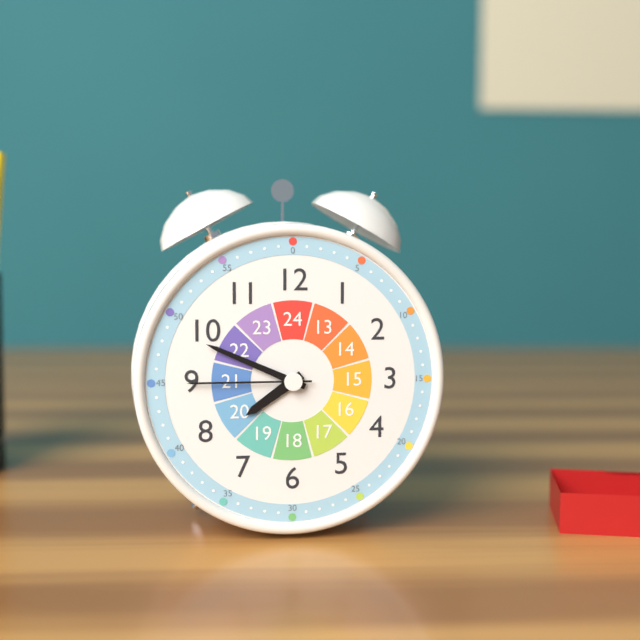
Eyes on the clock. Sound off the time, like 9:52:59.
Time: 7:49:45
